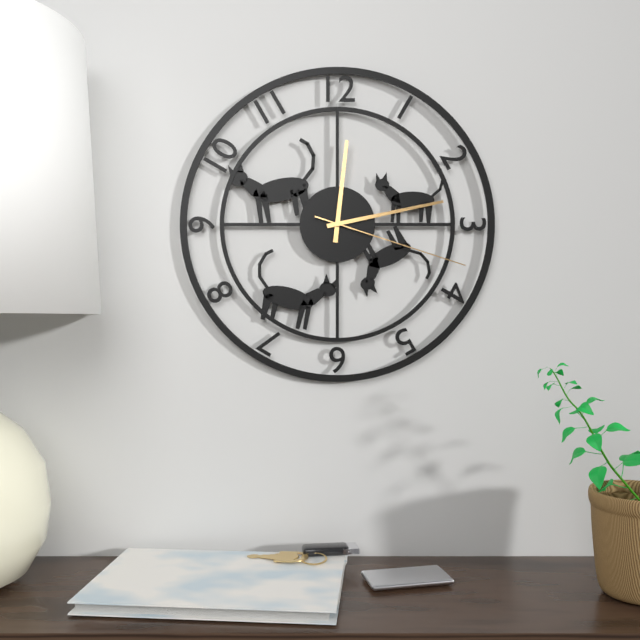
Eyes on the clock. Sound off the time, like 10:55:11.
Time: 12:13:18
